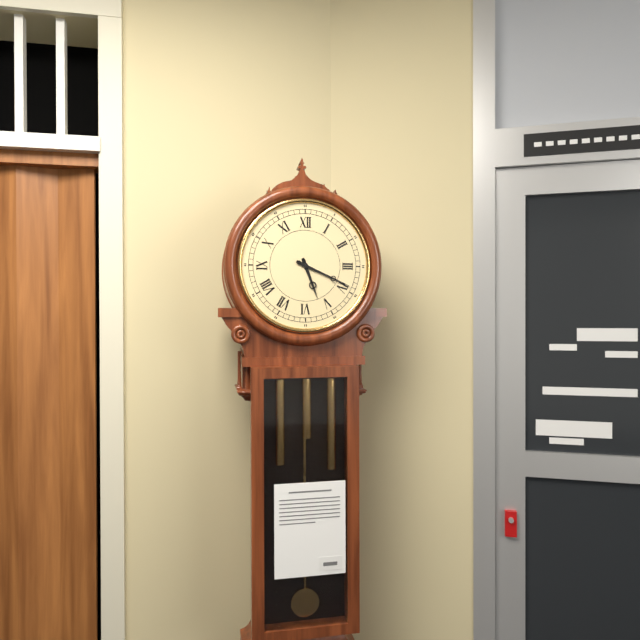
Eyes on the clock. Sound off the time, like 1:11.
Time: 5:19
